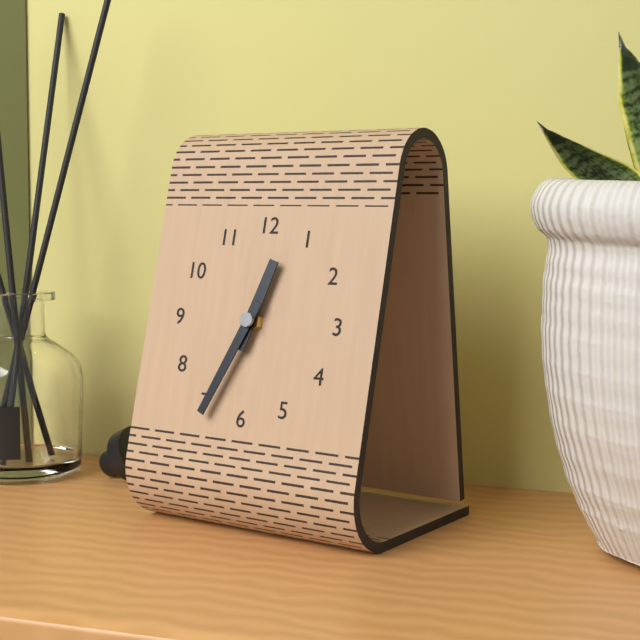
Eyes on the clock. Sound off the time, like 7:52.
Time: 12:34
